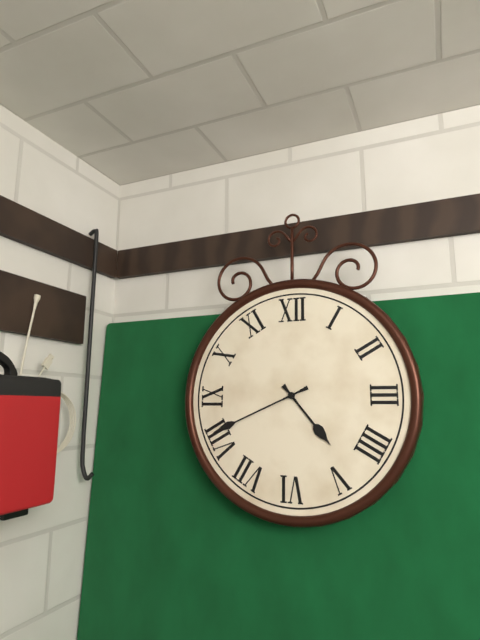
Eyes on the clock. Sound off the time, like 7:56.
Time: 4:41
